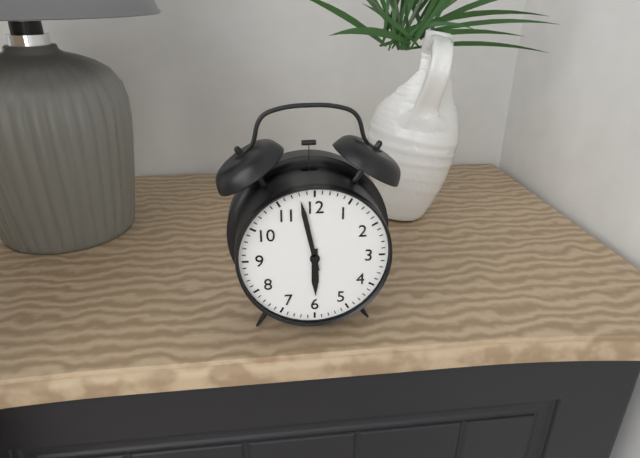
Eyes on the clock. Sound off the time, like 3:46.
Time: 5:58
